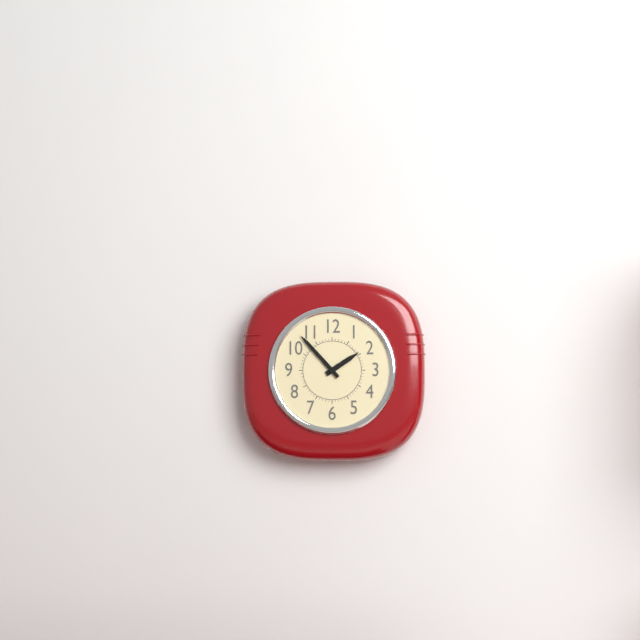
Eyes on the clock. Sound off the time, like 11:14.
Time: 1:53
